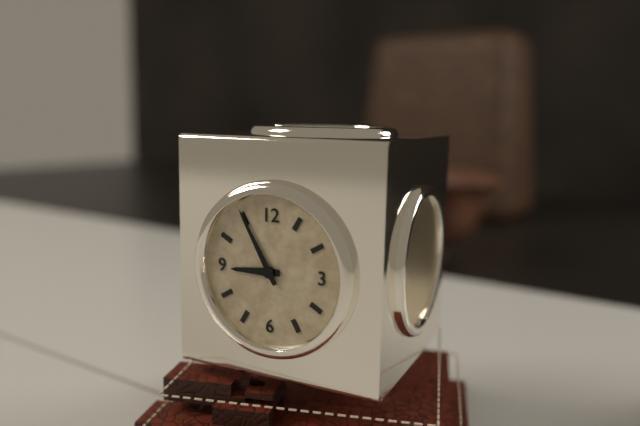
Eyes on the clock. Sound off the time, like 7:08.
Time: 8:55
